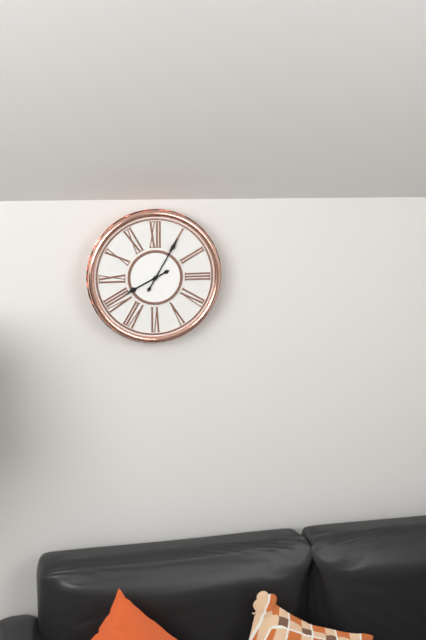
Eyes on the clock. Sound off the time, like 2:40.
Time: 8:05
